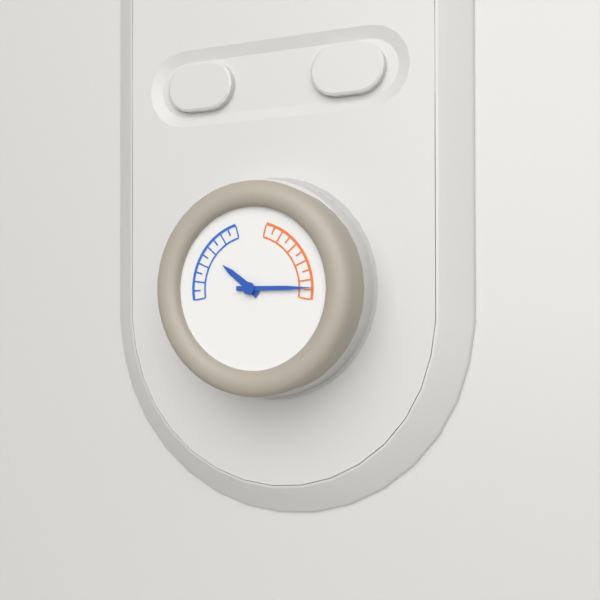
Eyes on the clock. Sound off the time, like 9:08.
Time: 10:15
